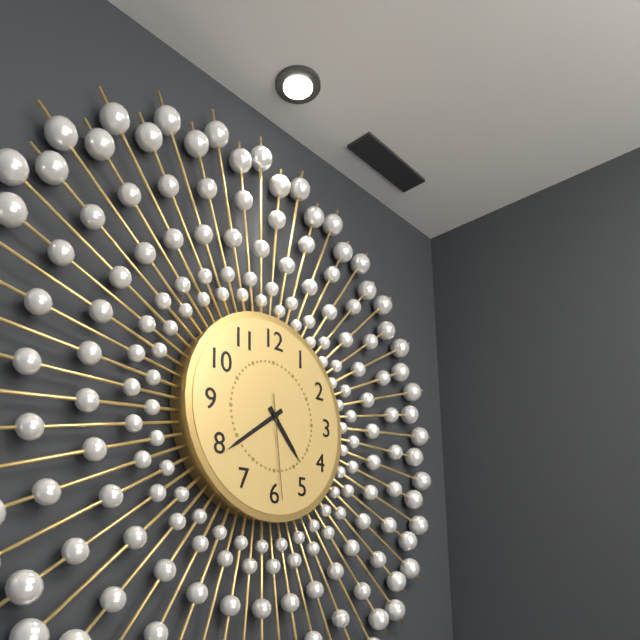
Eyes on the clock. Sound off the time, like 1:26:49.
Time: 4:39:29
